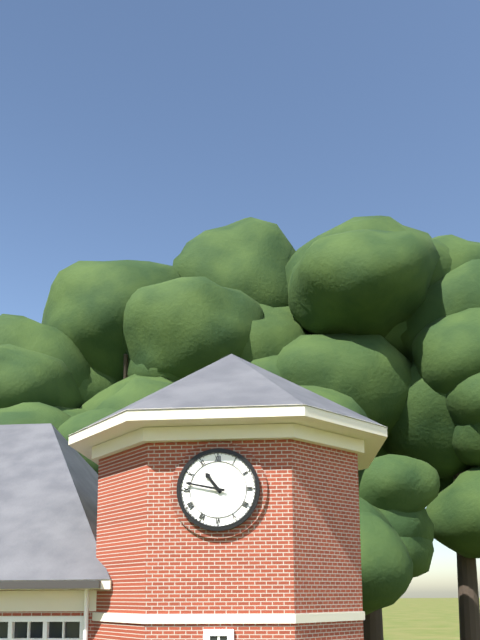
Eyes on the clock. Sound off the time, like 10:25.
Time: 10:47
